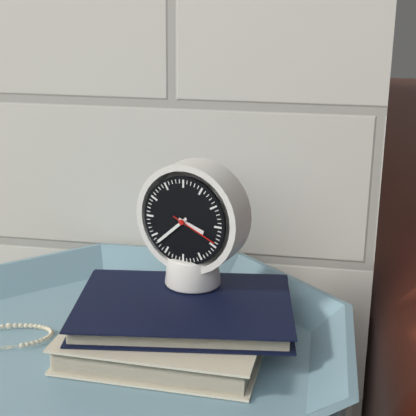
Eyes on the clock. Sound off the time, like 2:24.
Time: 3:38
